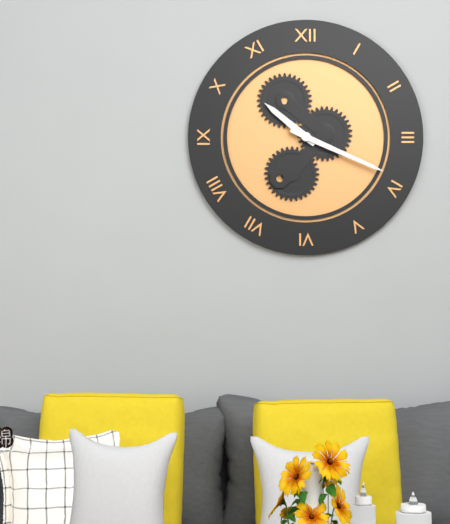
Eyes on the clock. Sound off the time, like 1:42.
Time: 10:19
